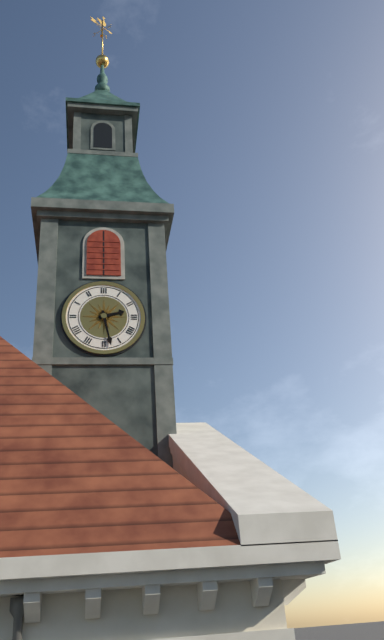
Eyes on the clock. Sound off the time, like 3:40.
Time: 2:28
